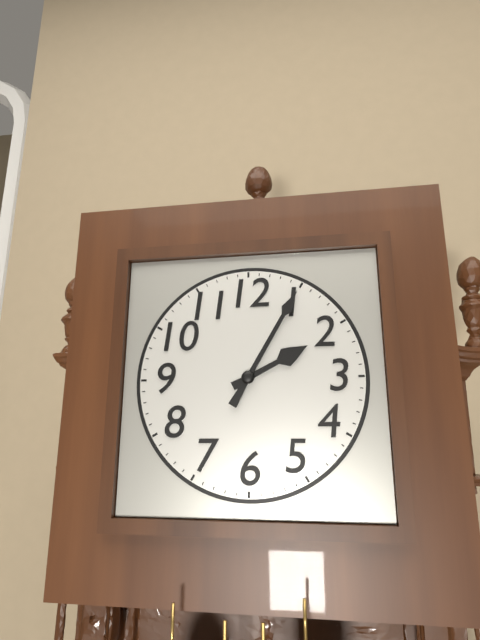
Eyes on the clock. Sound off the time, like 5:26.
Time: 2:05
